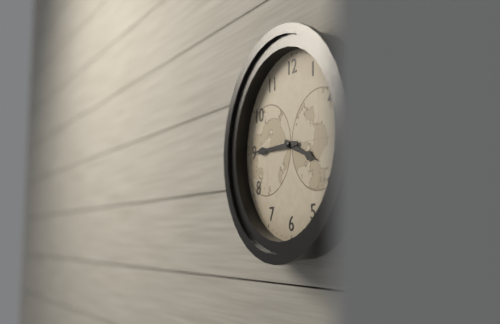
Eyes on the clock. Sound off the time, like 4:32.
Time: 3:45
